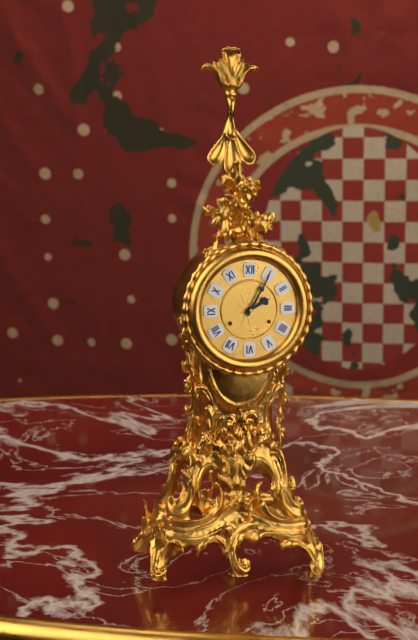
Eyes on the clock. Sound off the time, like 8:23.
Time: 2:05
